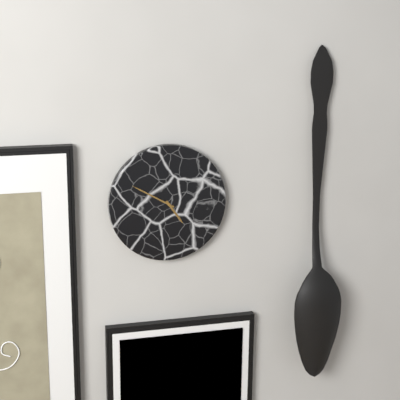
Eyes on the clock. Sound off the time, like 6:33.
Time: 4:50
